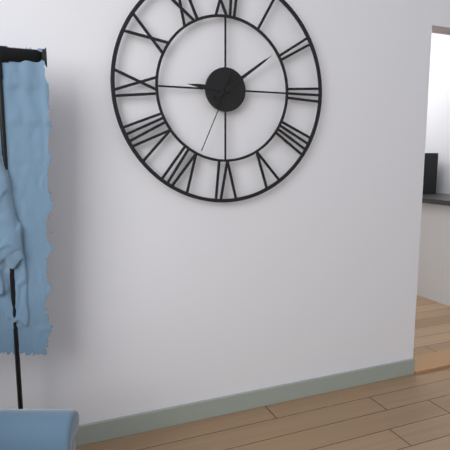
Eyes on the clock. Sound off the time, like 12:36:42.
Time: 9:09:34
